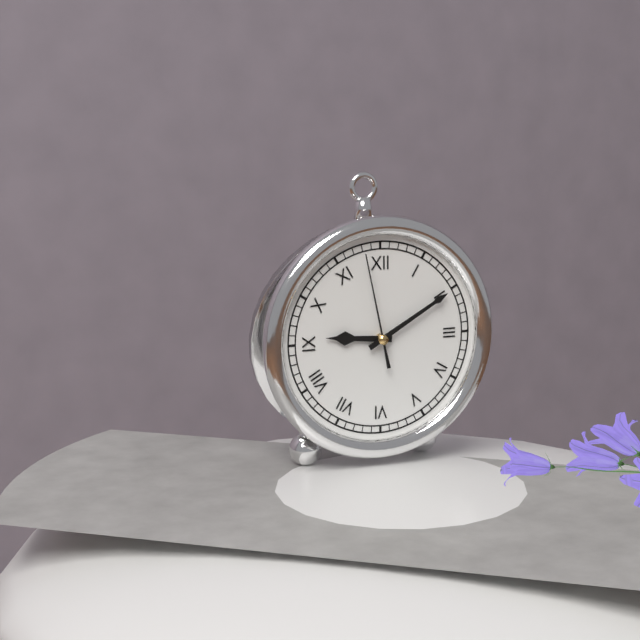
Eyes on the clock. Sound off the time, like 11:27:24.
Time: 9:10:58
